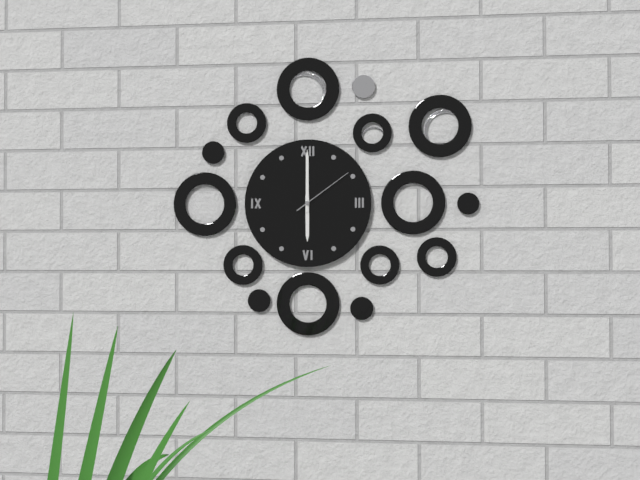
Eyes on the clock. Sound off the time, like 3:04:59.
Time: 6:00:09
